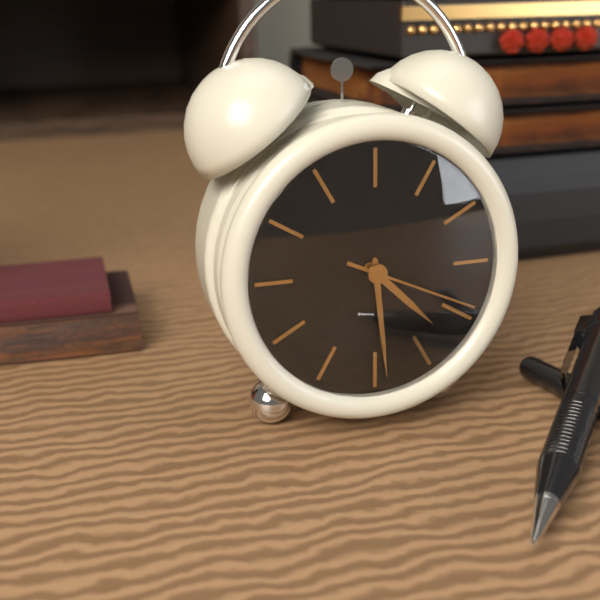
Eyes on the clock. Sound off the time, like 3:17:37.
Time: 4:29:19
